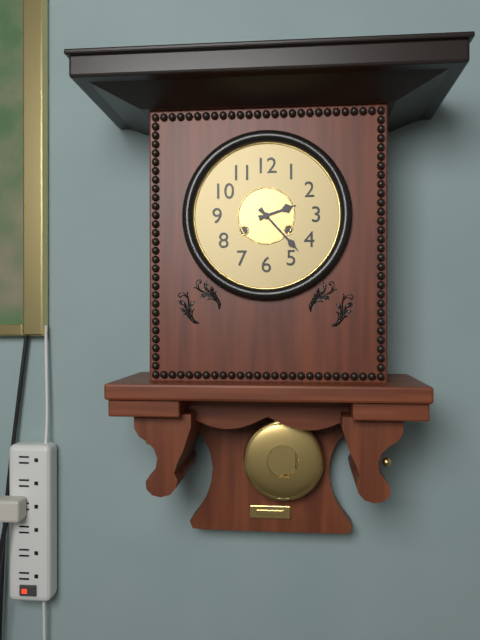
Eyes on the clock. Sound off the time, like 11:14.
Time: 2:23
